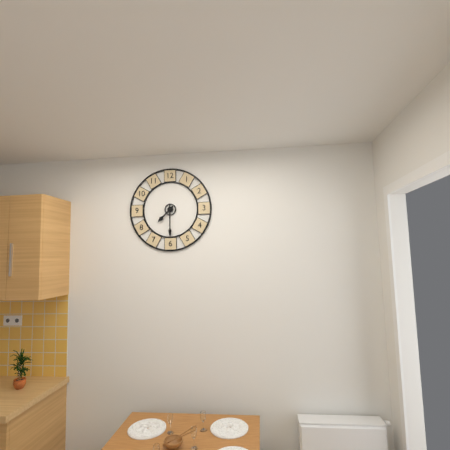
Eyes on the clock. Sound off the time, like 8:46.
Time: 7:30
